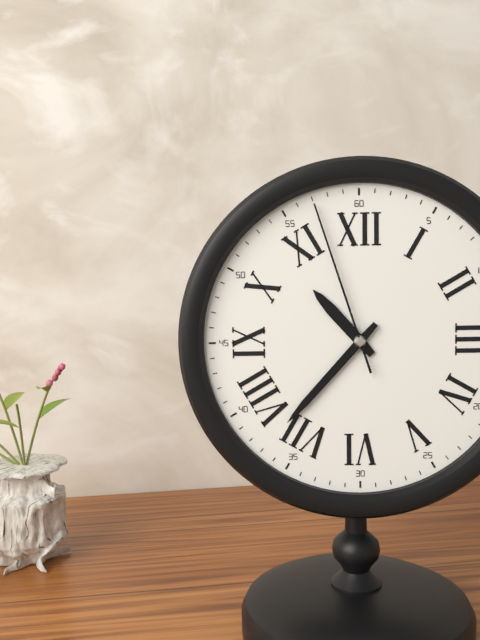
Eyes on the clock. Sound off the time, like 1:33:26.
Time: 10:37:57
